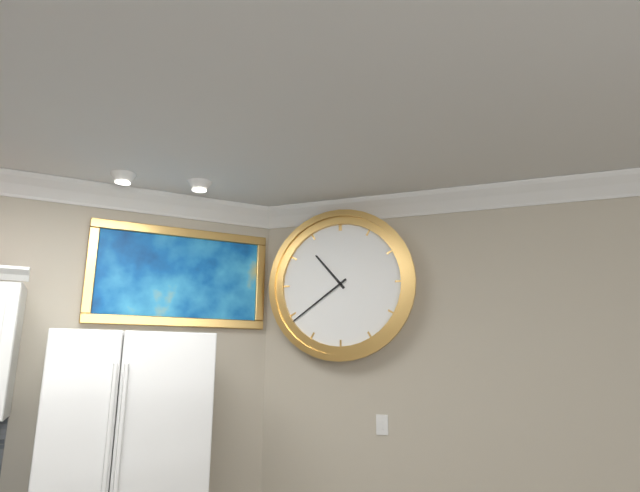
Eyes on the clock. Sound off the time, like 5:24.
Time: 10:39
